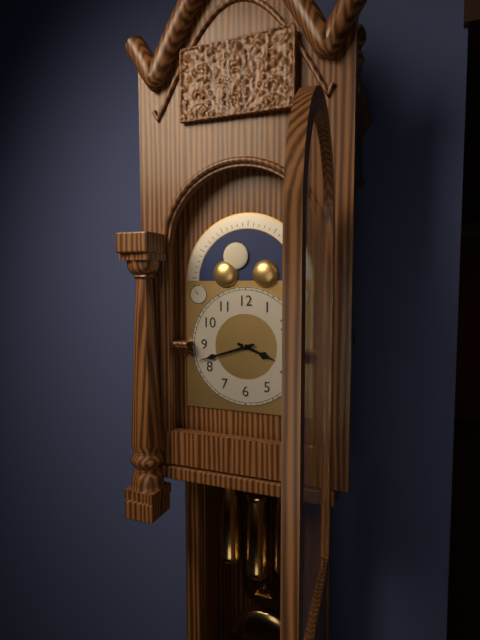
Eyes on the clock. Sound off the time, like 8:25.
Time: 3:42
